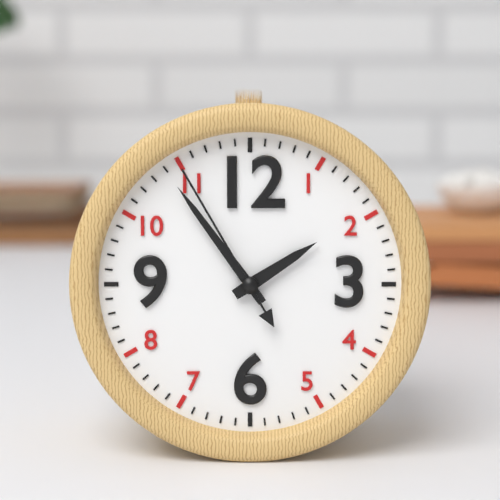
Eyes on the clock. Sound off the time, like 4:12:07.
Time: 1:54:55
